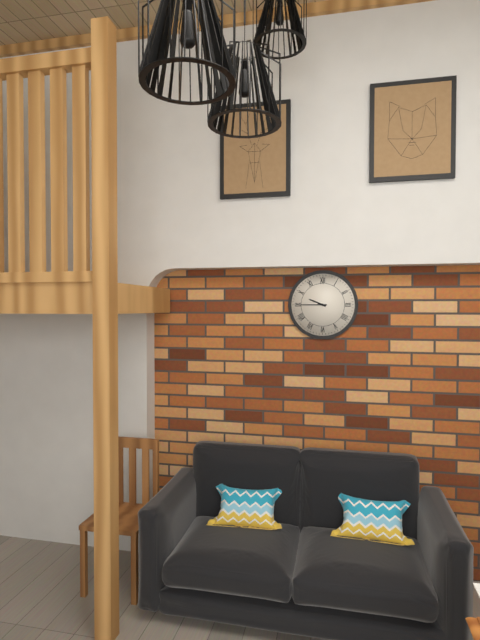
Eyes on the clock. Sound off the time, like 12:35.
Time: 9:45
